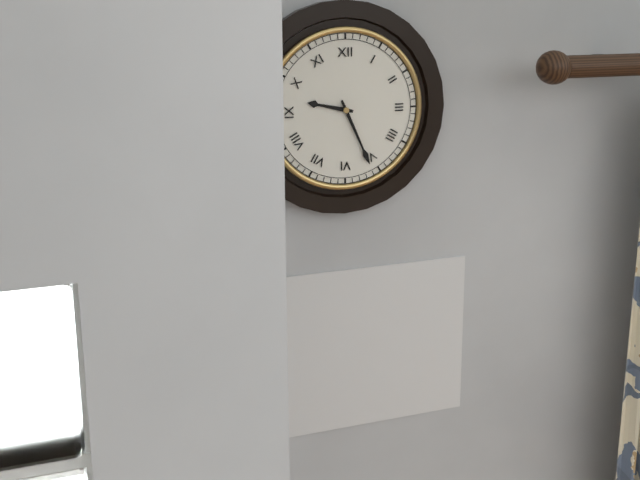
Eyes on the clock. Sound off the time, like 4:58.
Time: 9:26
